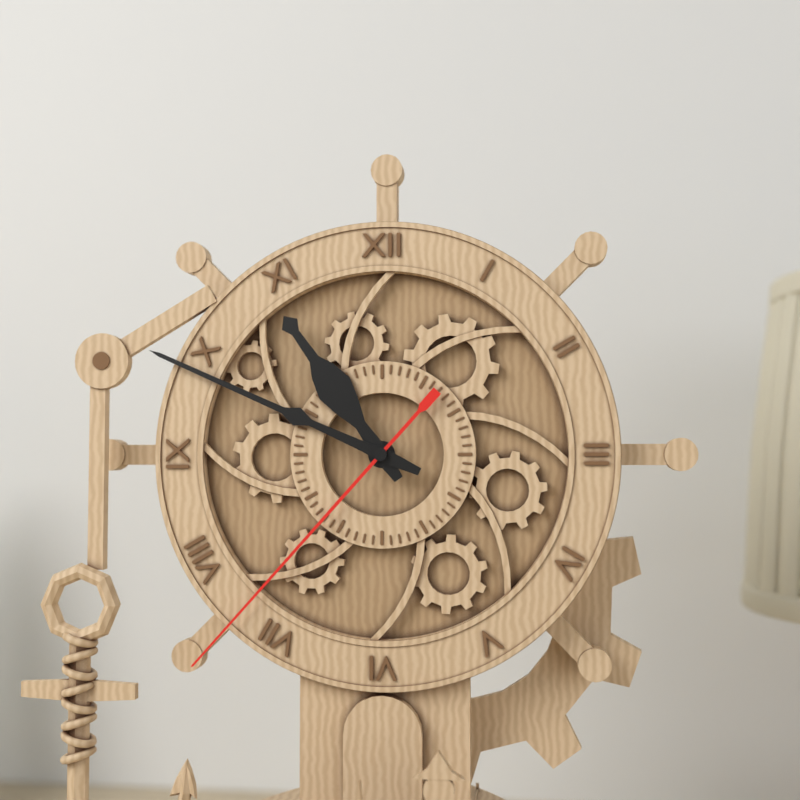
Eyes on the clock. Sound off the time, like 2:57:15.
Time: 10:49:37
